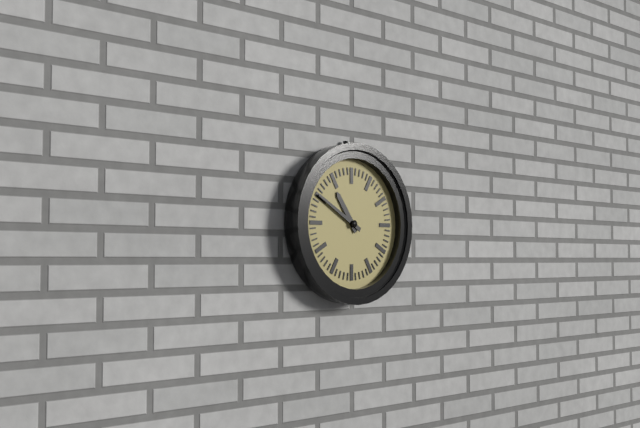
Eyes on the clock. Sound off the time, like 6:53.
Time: 10:50
